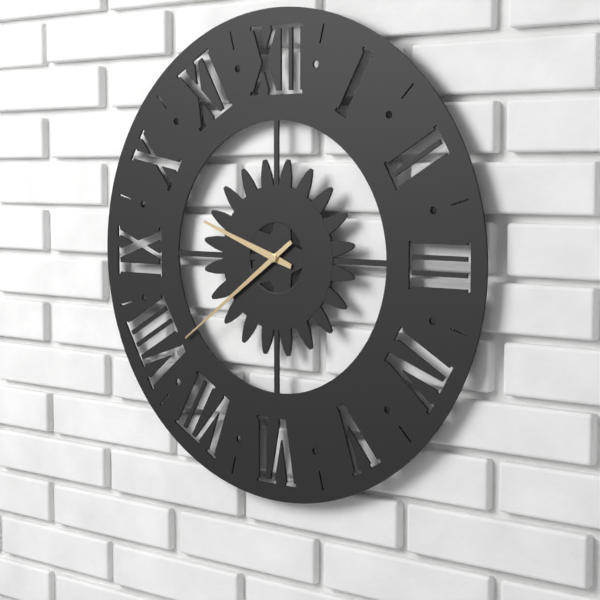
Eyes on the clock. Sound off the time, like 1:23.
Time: 9:39
